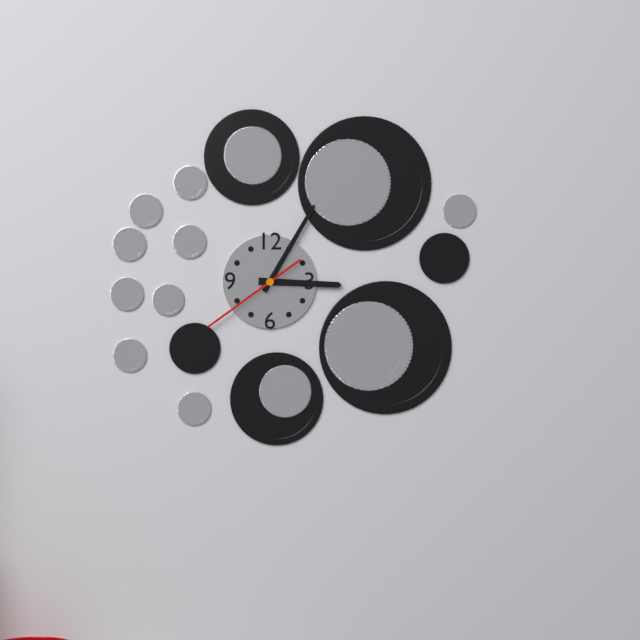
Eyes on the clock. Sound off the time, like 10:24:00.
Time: 3:05:39
